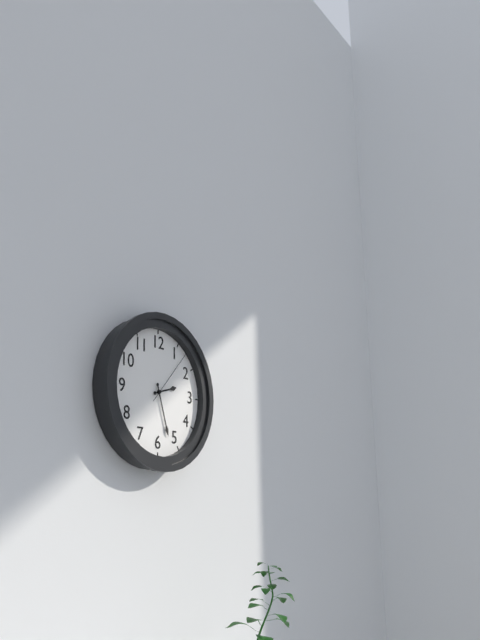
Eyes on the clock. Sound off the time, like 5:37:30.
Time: 2:27:07
